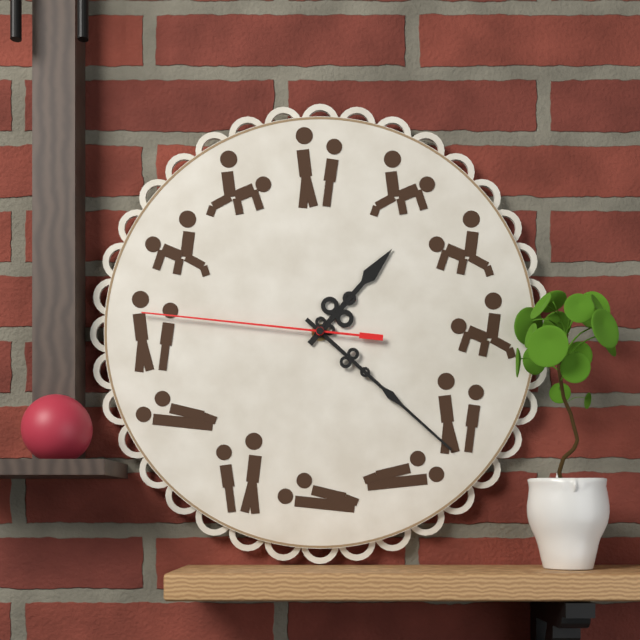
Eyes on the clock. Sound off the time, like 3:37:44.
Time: 1:22:46
